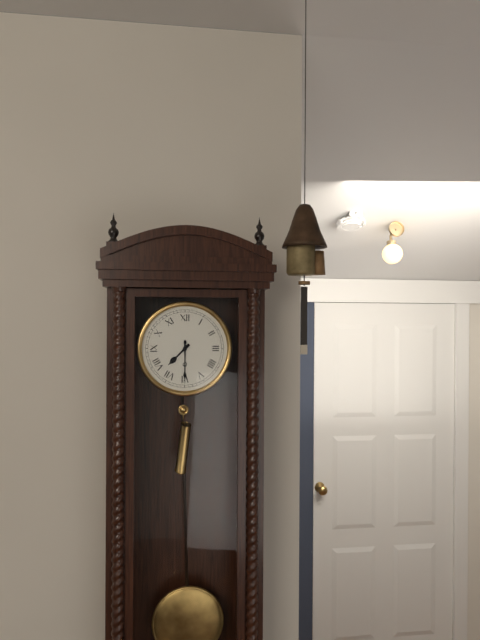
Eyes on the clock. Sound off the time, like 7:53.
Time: 7:30
